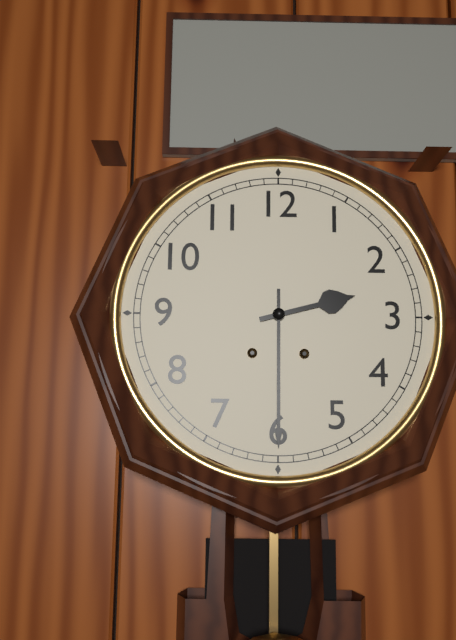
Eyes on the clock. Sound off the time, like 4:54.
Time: 2:30
